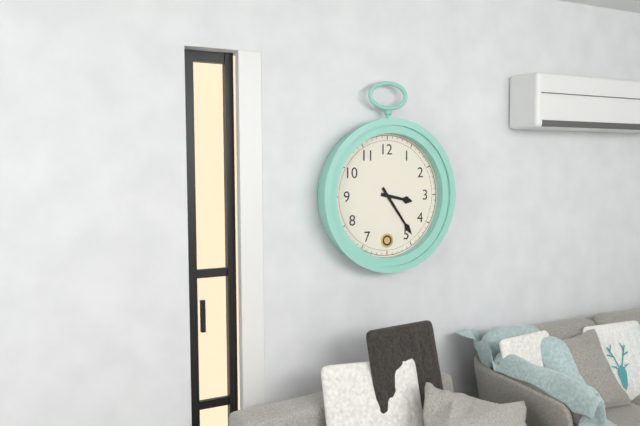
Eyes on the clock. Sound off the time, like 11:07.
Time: 3:24
